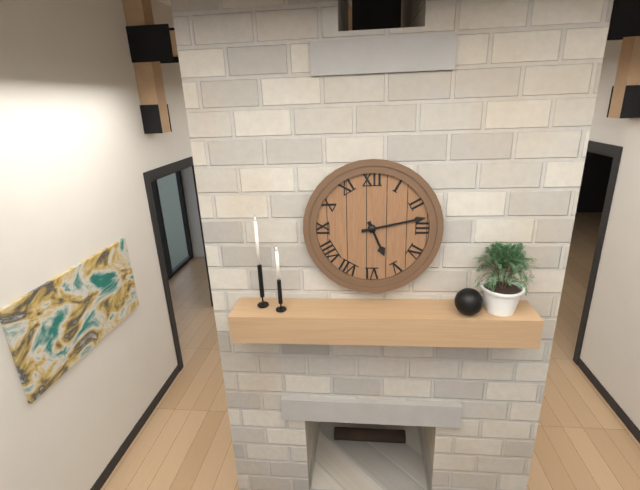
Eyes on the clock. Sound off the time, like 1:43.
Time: 5:13
